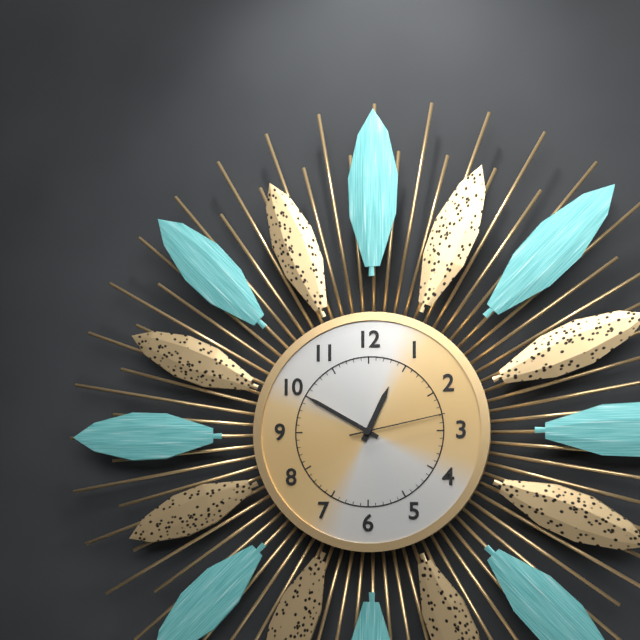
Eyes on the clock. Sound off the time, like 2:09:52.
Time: 12:50:13
